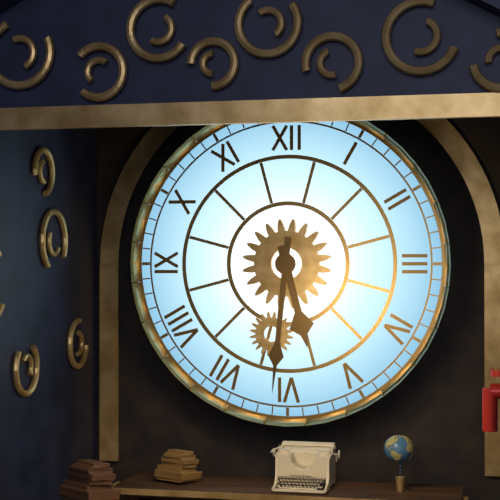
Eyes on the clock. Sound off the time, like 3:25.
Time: 5:31
